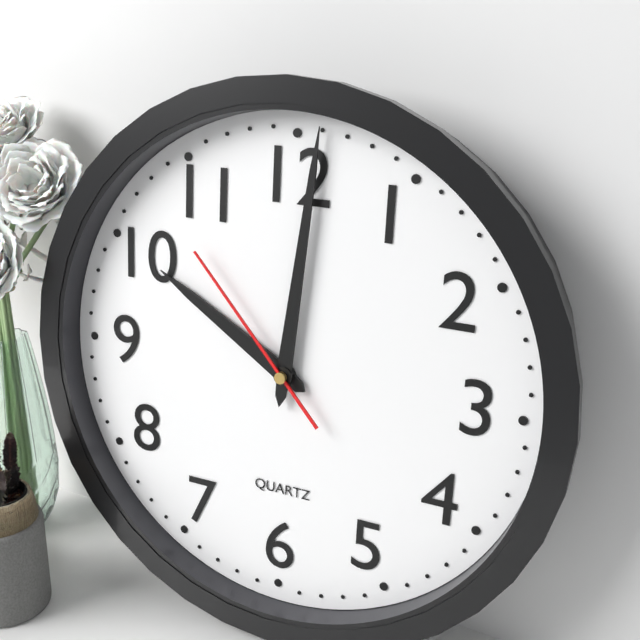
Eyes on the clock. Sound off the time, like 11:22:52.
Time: 10:01:53
